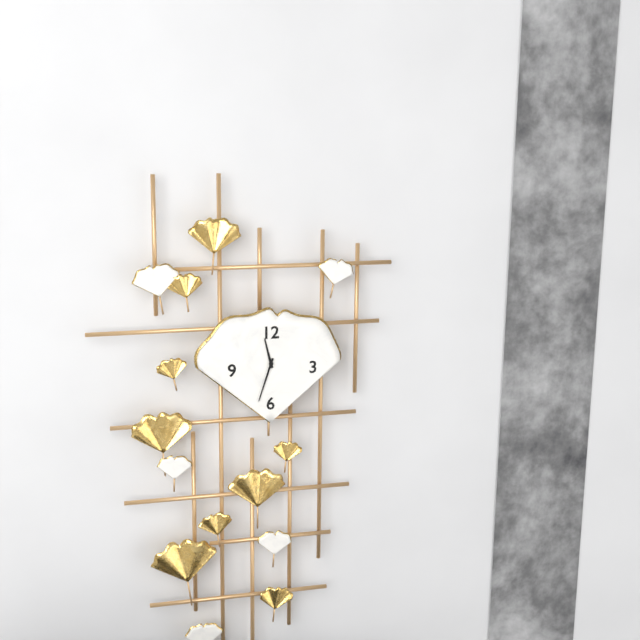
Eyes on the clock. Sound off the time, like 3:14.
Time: 11:33
